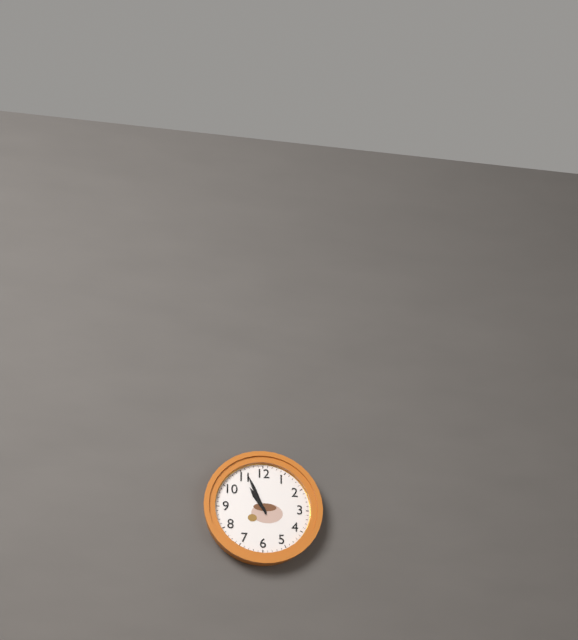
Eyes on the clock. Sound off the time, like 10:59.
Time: 10:56
